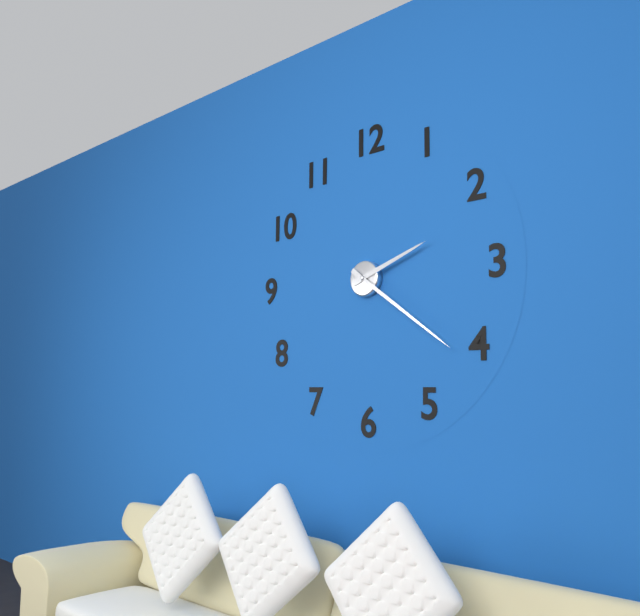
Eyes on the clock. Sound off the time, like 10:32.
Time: 2:21
